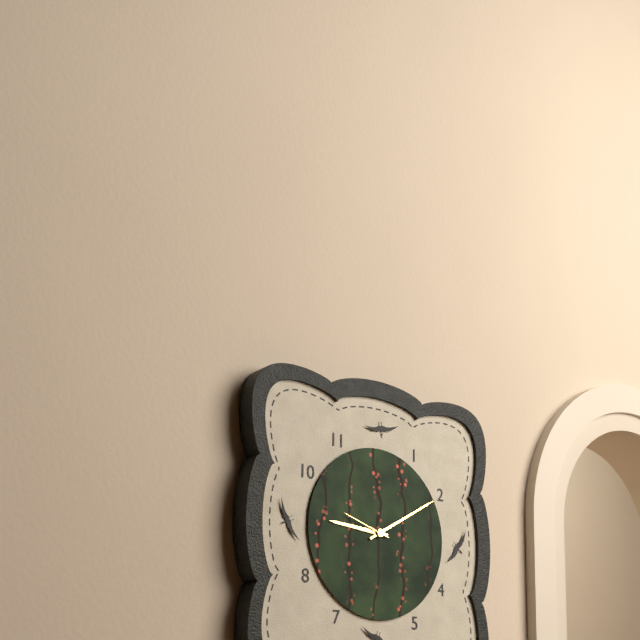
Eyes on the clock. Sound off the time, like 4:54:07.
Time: 9:10:48
